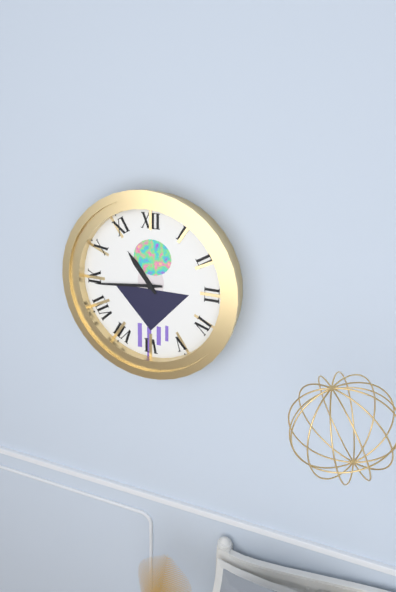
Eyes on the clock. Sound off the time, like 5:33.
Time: 10:44
